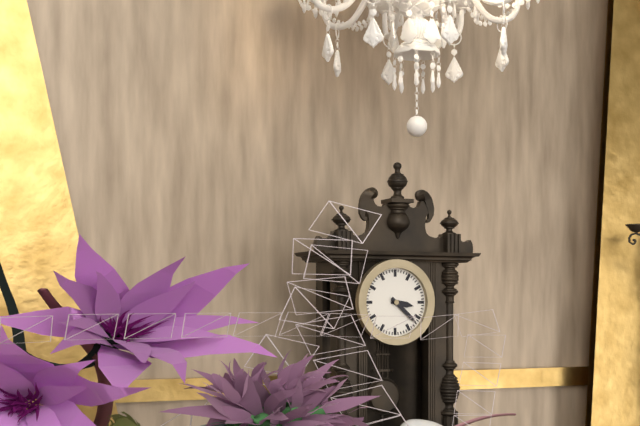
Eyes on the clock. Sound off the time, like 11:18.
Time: 3:22
